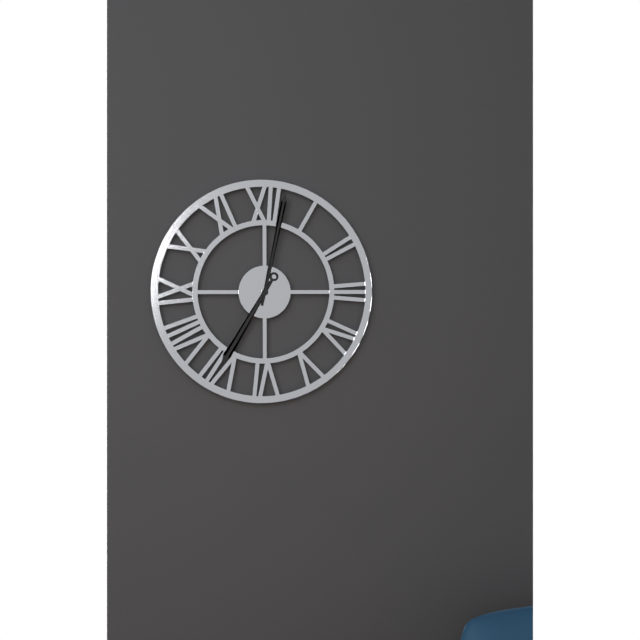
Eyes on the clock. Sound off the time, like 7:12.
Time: 7:02
